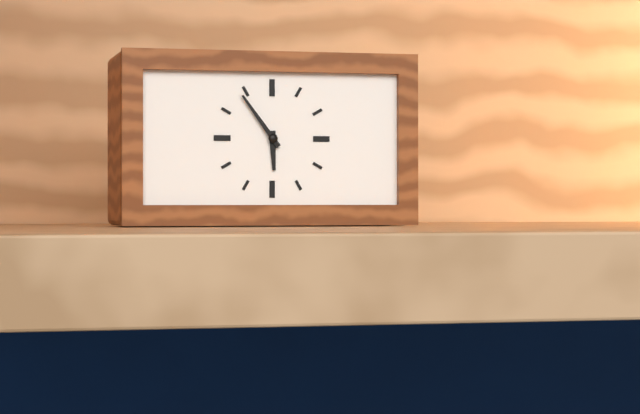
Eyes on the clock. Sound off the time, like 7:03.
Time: 5:54
